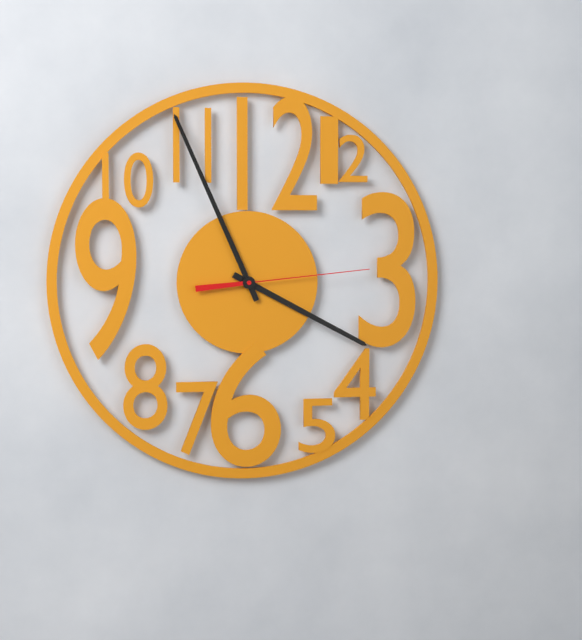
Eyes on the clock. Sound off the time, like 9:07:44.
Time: 3:56:14
